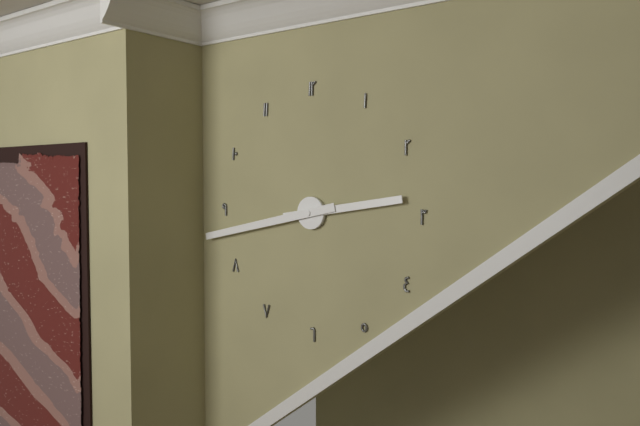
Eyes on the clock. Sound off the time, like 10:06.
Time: 2:43
